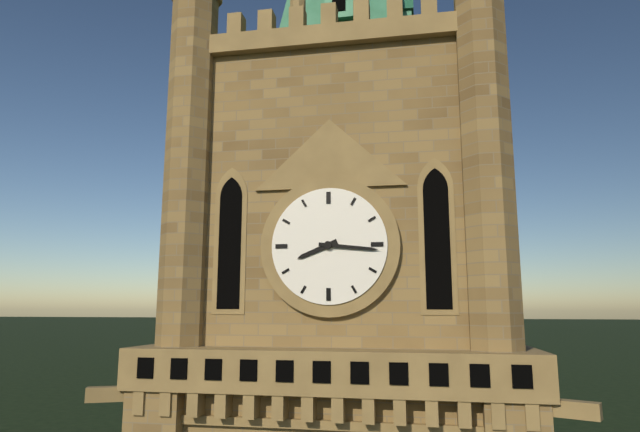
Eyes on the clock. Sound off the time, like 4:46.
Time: 8:16
